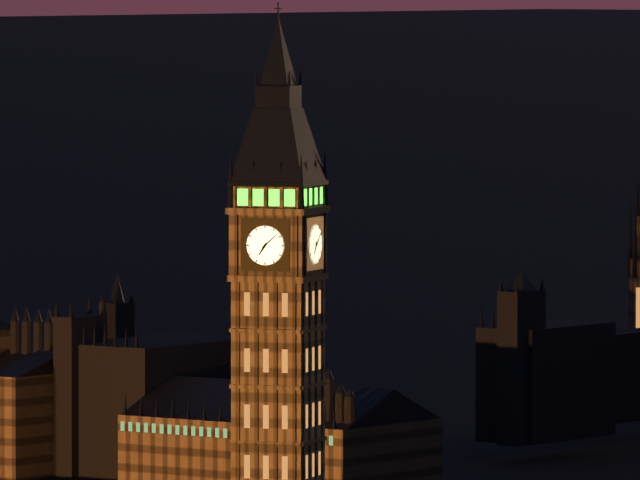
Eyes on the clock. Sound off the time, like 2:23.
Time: 7:08
